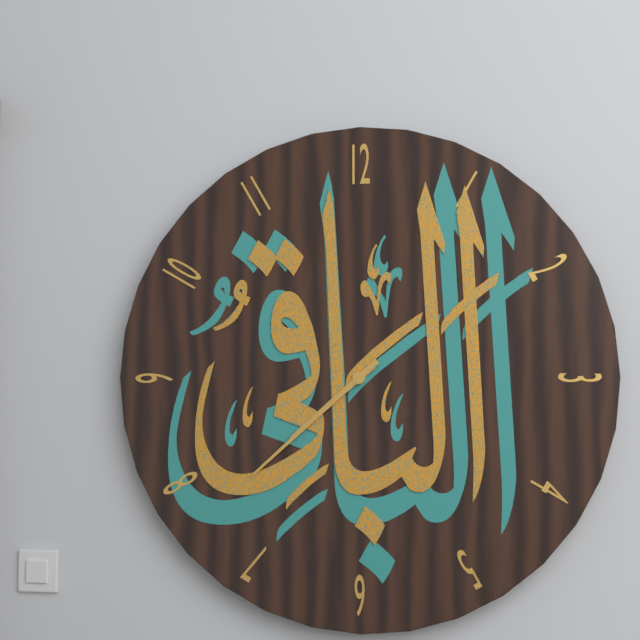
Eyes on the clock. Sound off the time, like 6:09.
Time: 7:38
